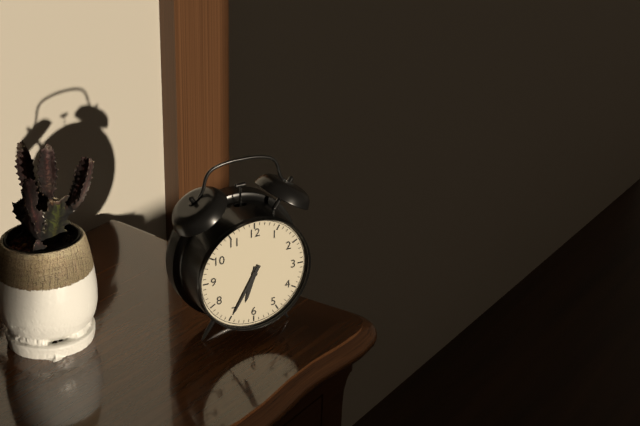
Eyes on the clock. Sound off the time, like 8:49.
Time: 6:35
